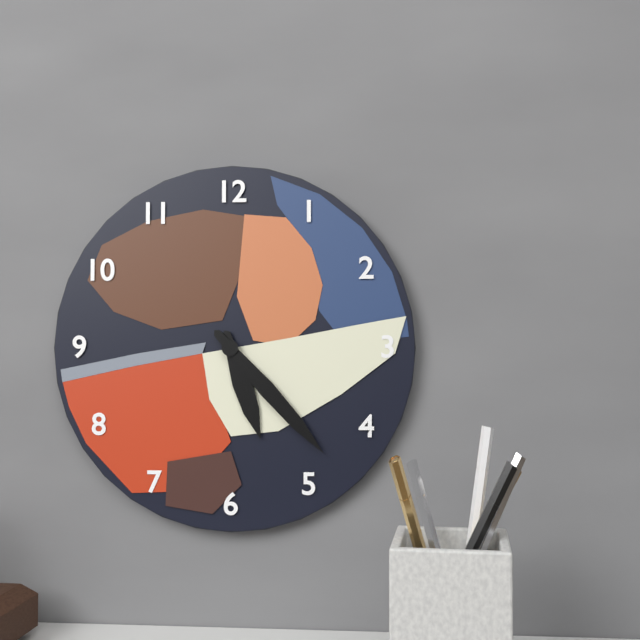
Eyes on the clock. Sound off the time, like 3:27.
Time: 5:23
